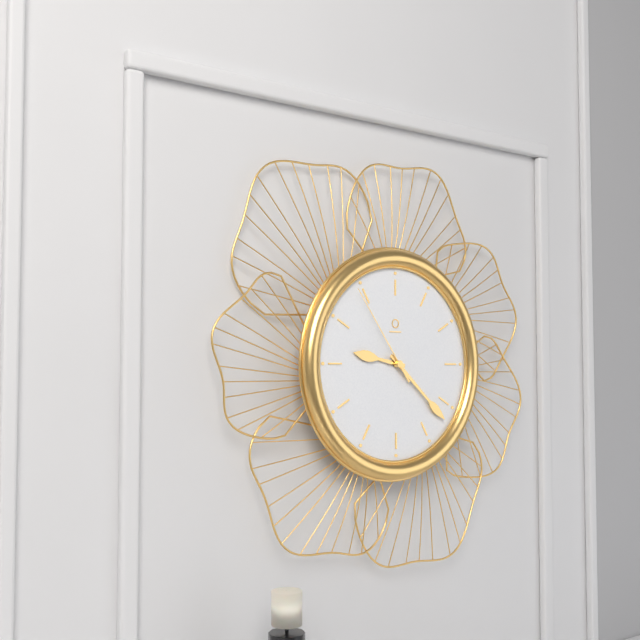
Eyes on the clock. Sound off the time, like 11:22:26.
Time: 9:22:54
